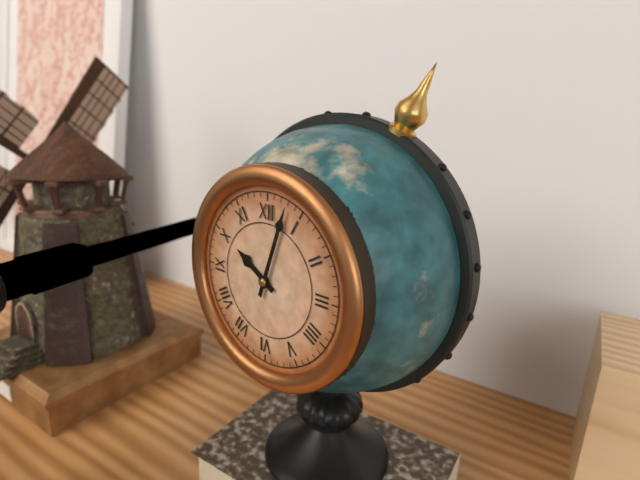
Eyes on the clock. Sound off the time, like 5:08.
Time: 10:03
